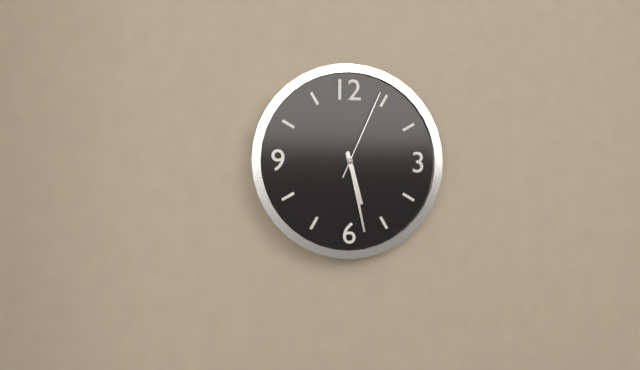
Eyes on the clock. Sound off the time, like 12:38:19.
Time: 5:28:04
